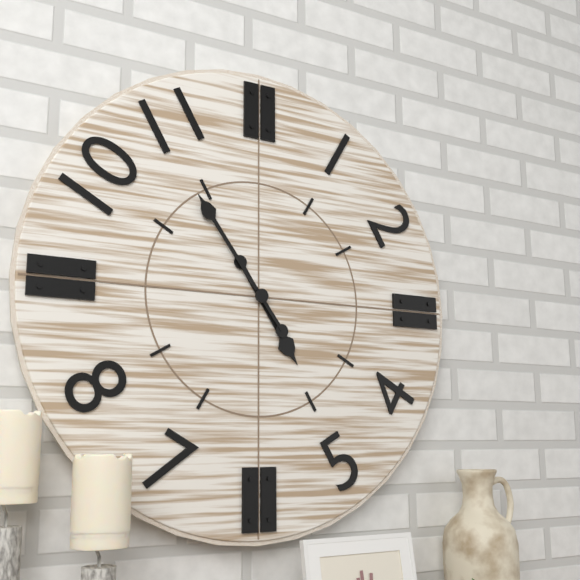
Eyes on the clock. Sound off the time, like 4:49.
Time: 4:54
